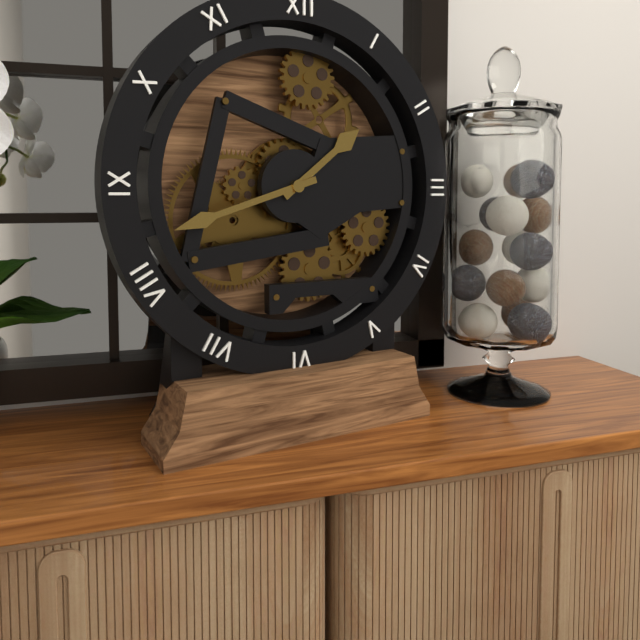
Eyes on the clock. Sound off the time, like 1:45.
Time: 1:42
